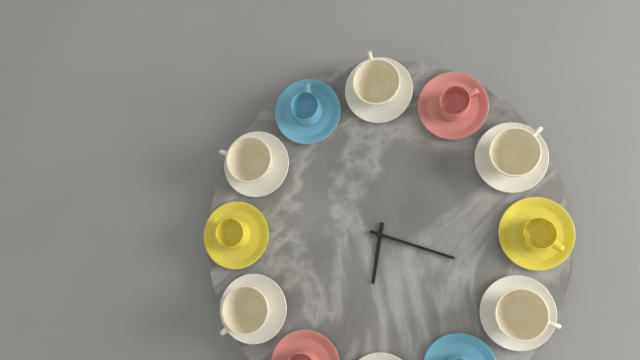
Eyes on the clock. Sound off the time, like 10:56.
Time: 6:18
